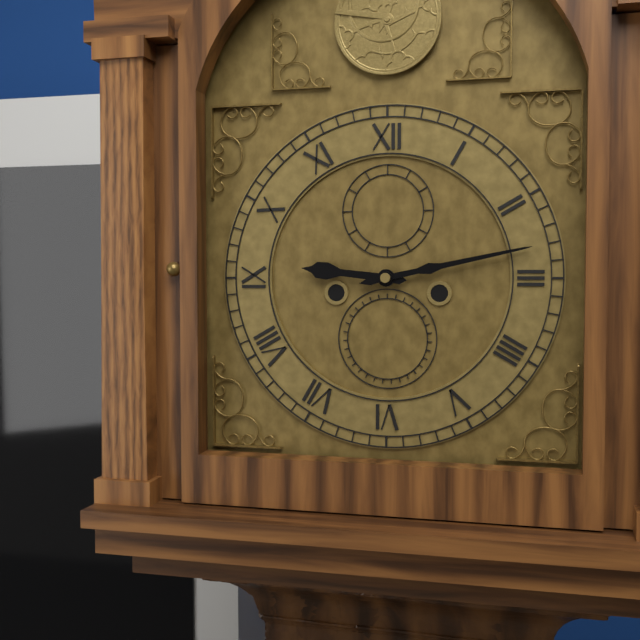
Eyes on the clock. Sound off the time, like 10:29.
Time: 9:13
